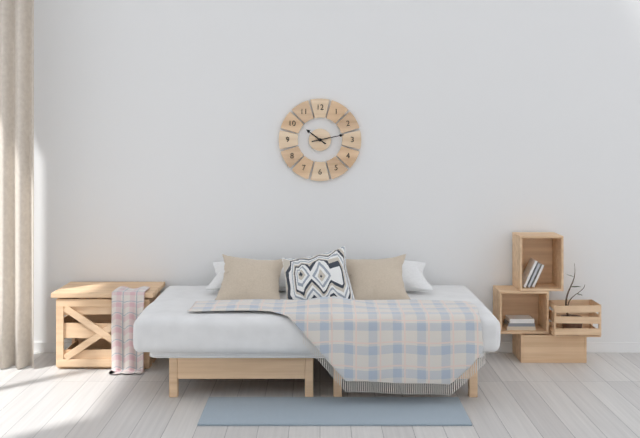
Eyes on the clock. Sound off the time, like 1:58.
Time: 10:13
